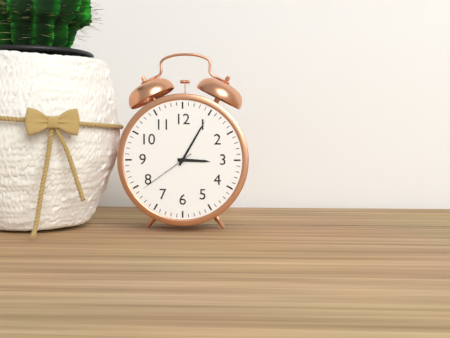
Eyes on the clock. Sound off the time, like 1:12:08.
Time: 3:05:39
